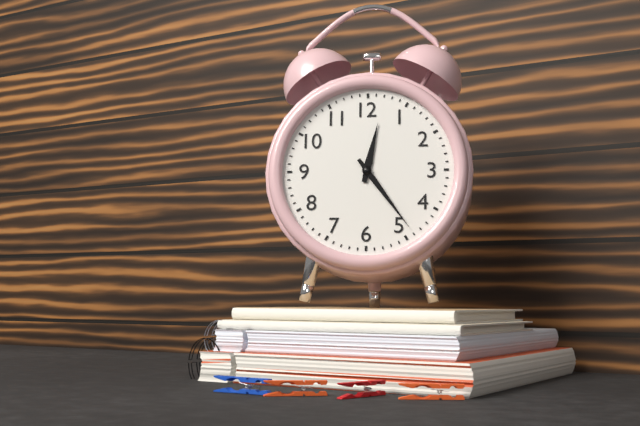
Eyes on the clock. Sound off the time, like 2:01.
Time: 12:24
